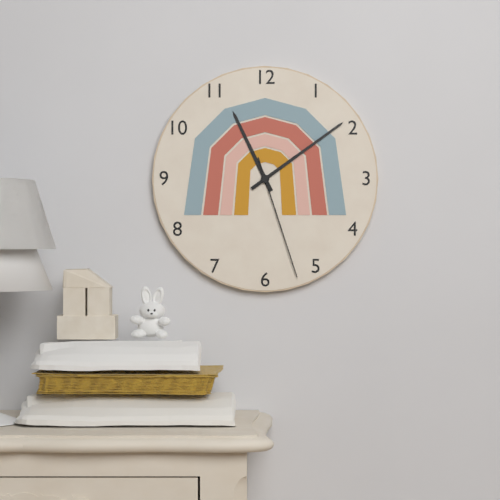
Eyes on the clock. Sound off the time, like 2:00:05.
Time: 11:09:27
